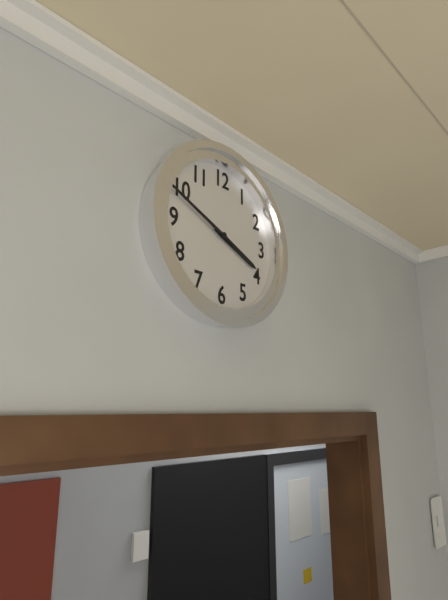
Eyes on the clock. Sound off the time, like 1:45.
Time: 3:49
